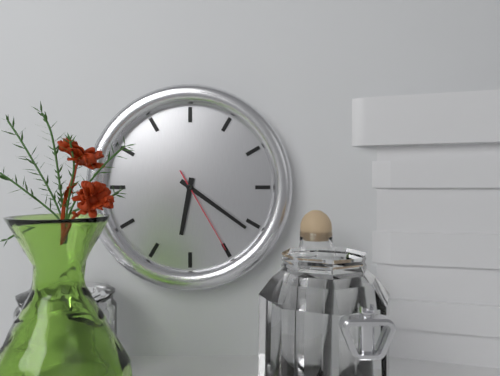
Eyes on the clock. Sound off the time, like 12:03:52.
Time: 6:21:25
